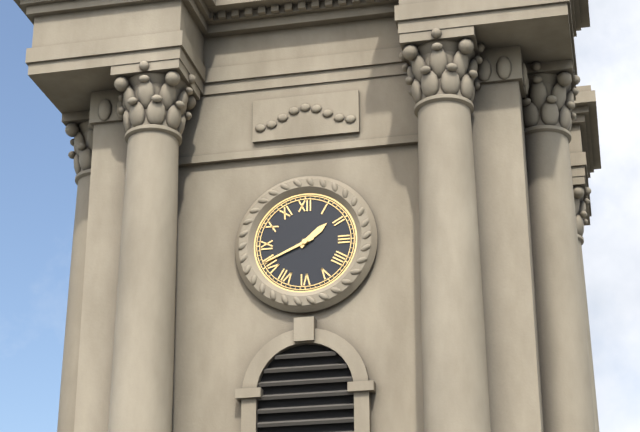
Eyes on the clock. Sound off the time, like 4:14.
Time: 1:41
